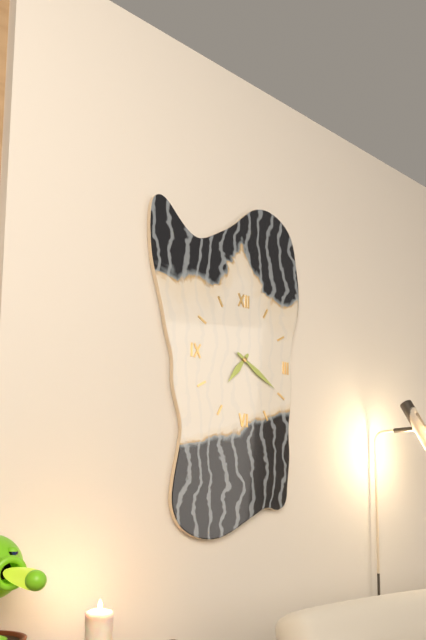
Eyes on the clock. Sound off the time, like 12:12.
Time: 7:20
